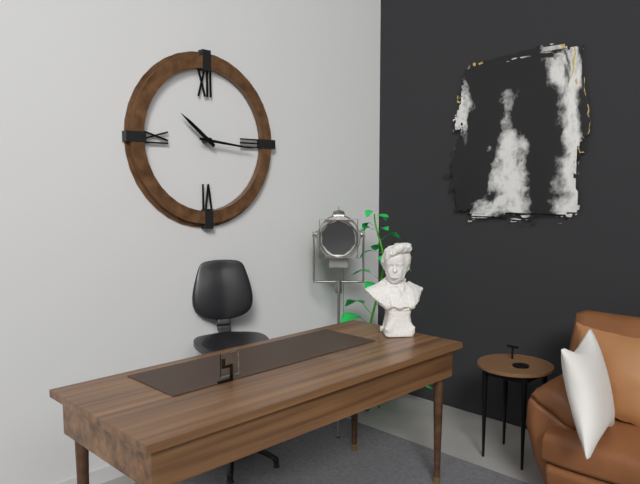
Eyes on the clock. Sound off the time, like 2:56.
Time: 10:16
